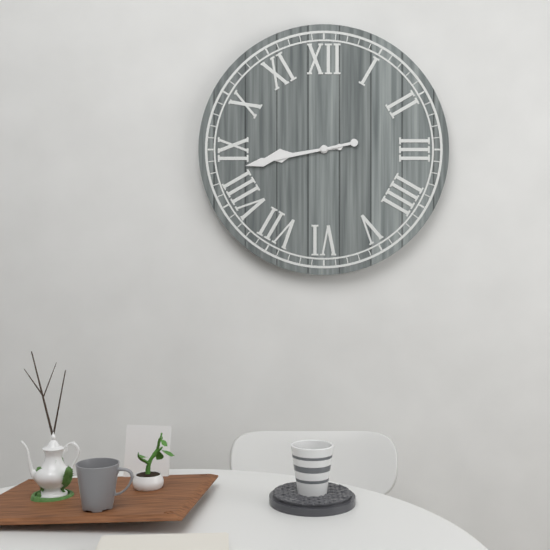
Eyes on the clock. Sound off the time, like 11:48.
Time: 8:43
